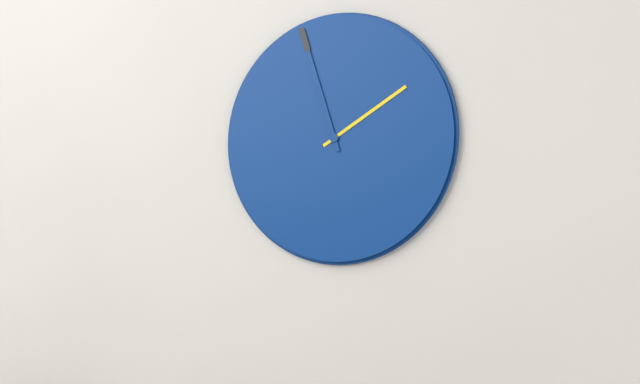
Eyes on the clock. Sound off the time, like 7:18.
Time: 1:57
